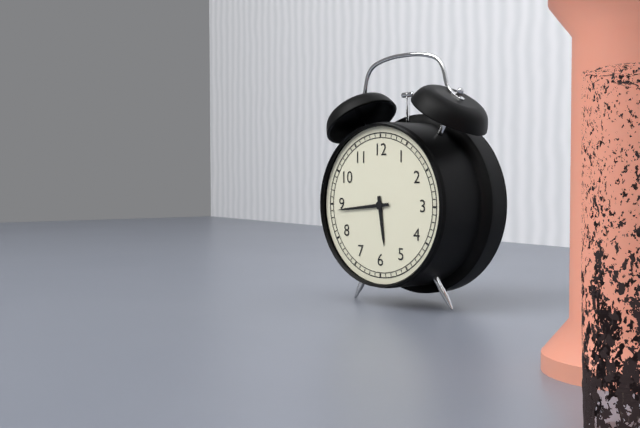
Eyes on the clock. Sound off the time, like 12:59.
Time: 5:44
